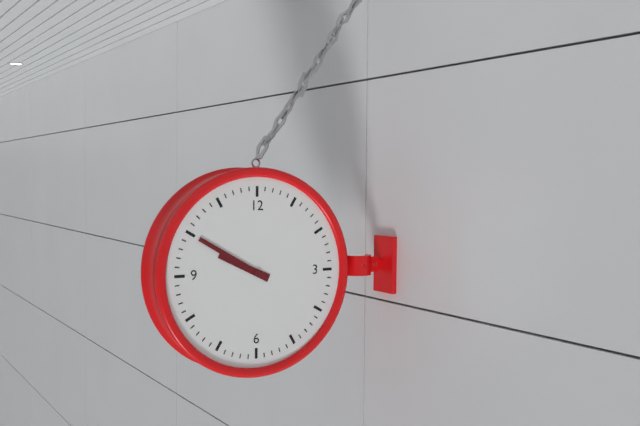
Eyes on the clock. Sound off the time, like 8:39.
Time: 9:50
